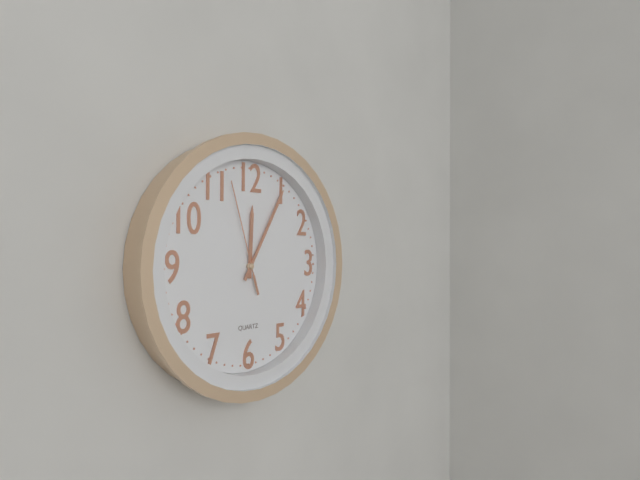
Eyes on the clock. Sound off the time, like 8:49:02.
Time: 12:05:57
